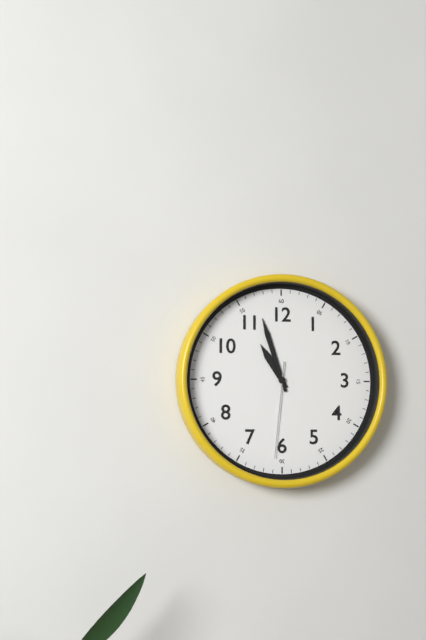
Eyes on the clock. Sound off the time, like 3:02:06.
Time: 10:57:31
